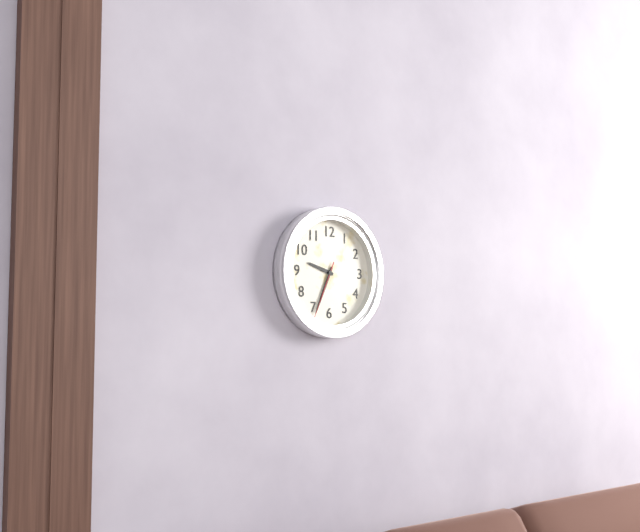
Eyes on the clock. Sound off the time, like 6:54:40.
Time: 9:34:34
